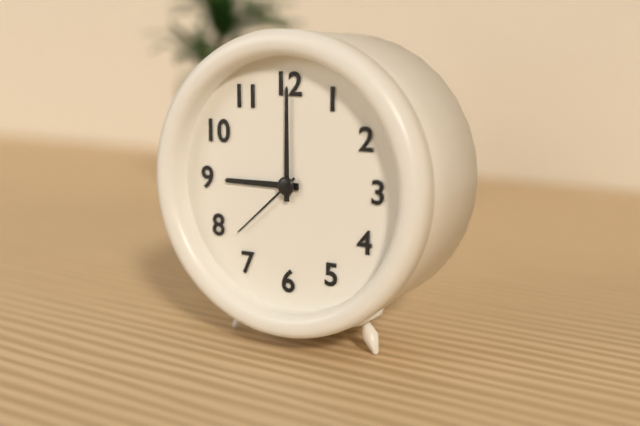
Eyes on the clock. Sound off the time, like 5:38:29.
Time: 9:00:38
